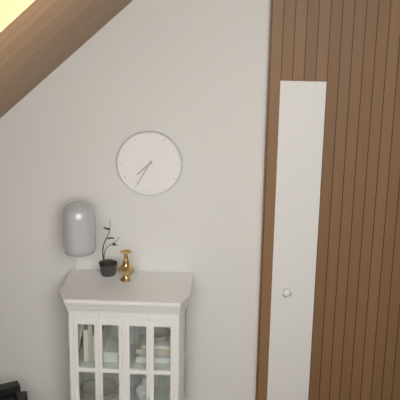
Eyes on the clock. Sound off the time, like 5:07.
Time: 7:35
